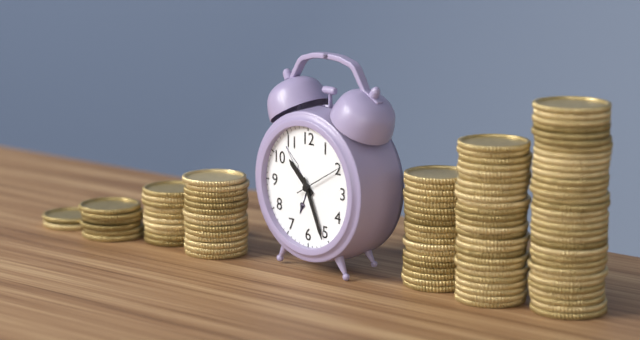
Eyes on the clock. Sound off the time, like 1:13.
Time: 10:26
